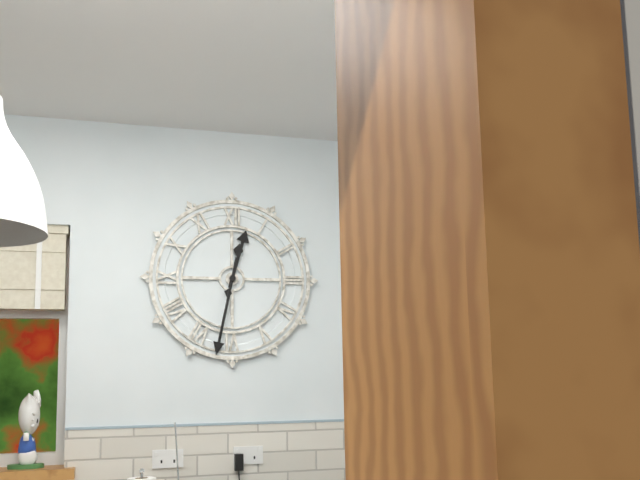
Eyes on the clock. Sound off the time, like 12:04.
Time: 12:32
